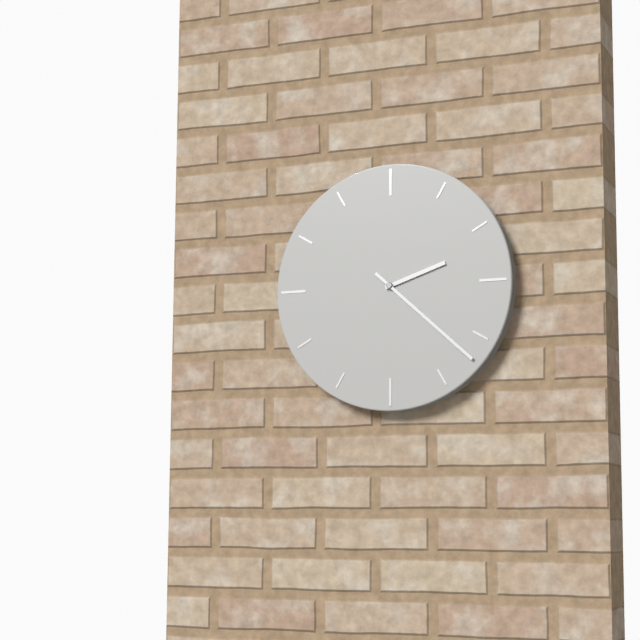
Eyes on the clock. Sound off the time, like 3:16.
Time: 2:22
